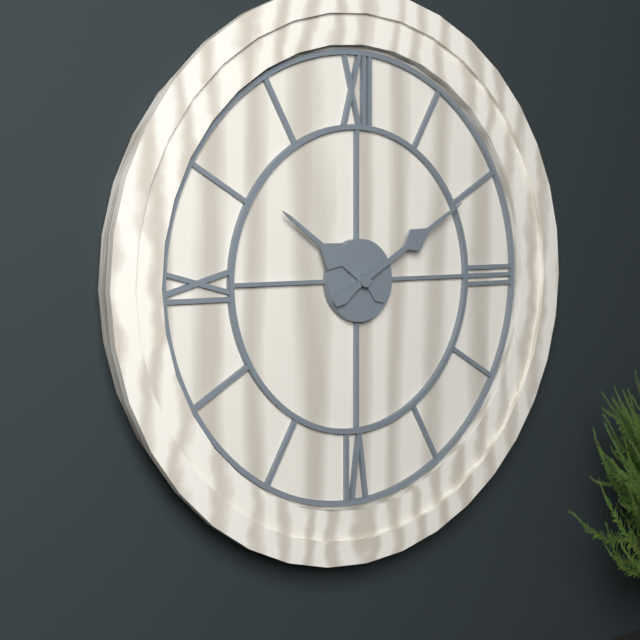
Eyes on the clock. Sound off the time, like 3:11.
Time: 10:10
